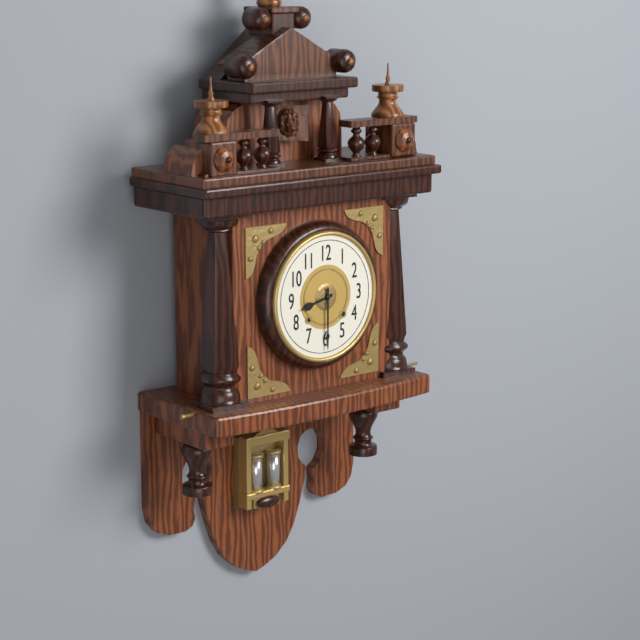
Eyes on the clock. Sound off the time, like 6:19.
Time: 8:30
